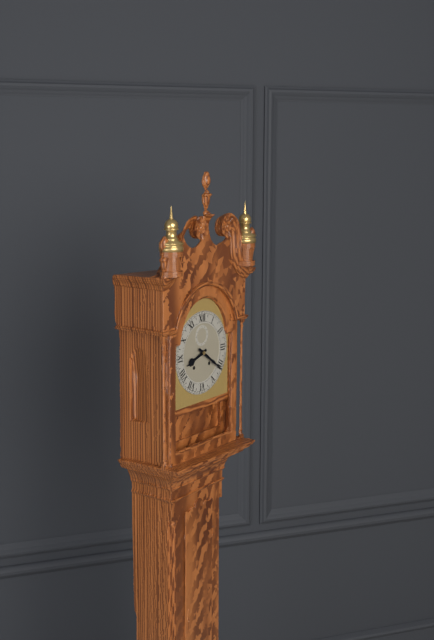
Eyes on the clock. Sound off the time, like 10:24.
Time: 8:21
